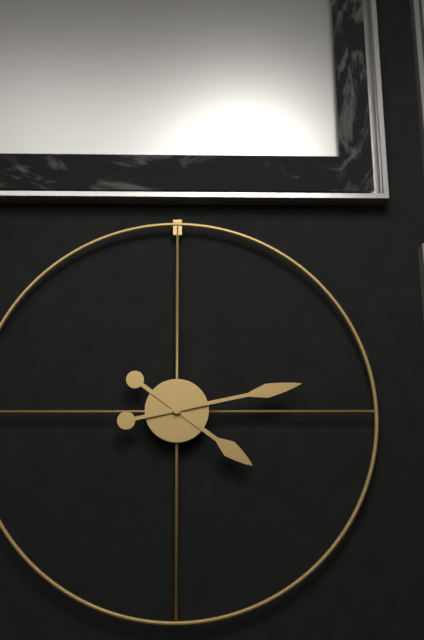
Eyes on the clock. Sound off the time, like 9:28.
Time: 4:13
